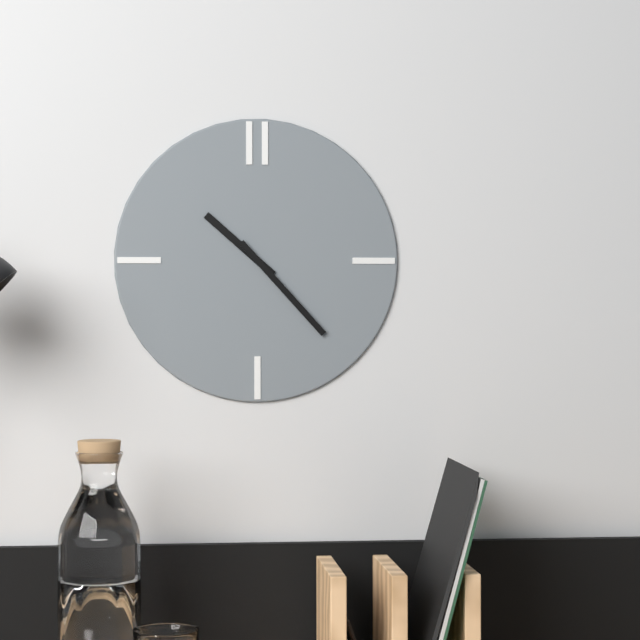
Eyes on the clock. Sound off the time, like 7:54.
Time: 10:23
